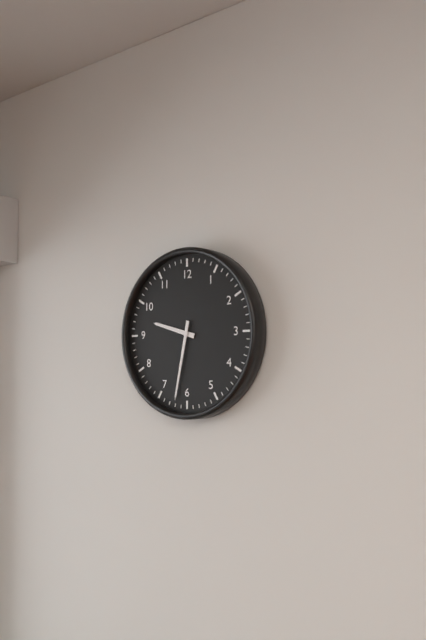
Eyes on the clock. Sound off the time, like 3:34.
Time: 9:32
